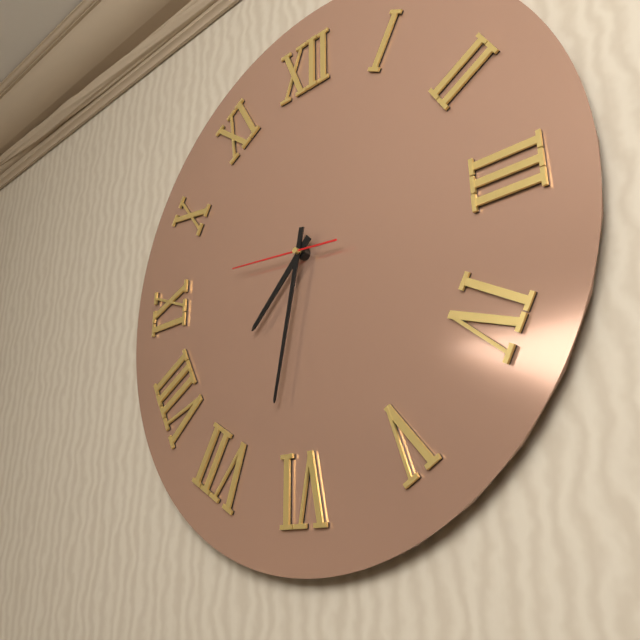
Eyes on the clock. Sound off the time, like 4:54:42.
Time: 7:32:46
